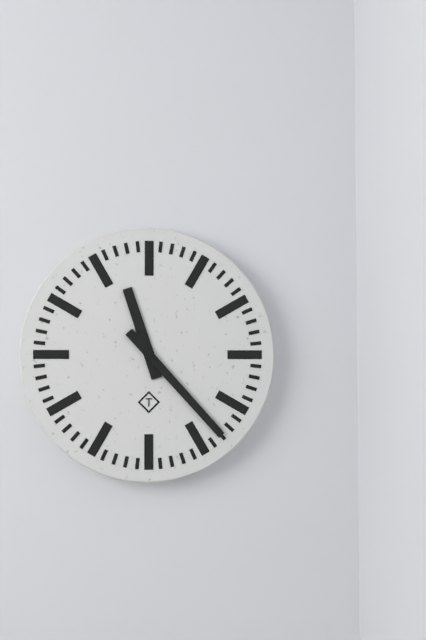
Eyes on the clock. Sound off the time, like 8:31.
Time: 11:23
